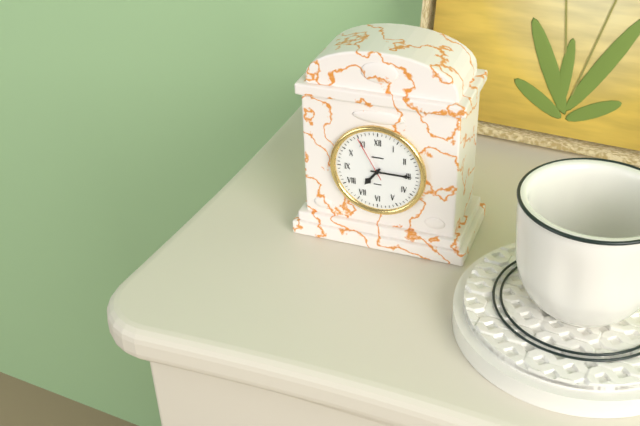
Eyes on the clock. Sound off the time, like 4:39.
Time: 7:15
